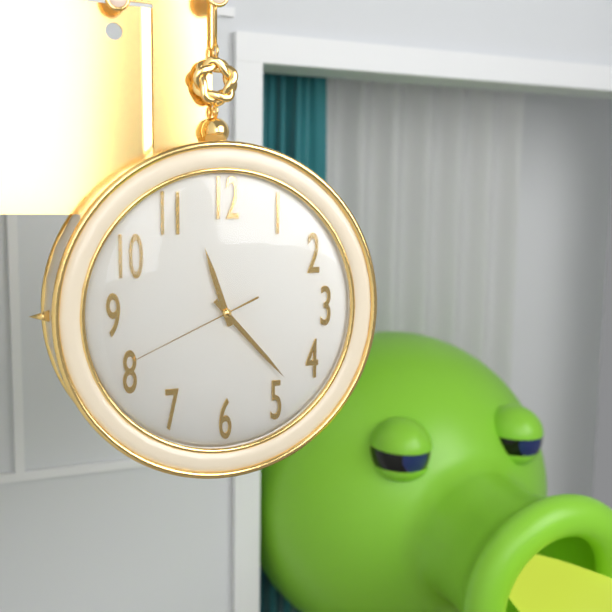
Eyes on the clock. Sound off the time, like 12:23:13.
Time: 11:23:41
